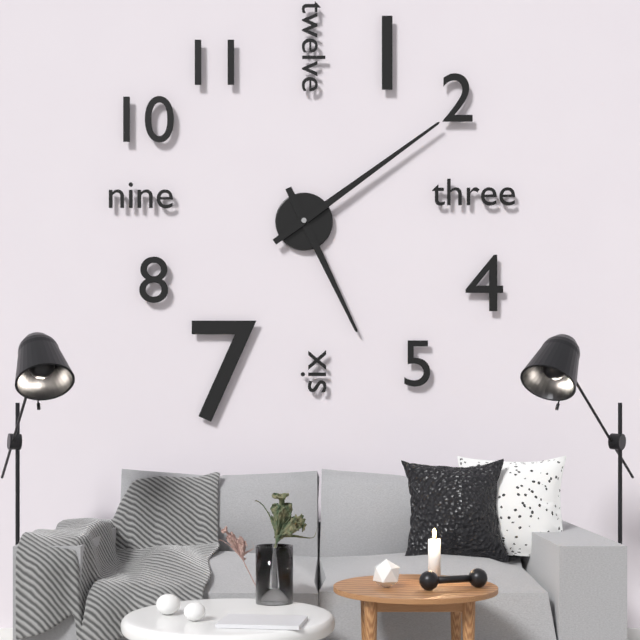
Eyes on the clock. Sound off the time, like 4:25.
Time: 5:09
